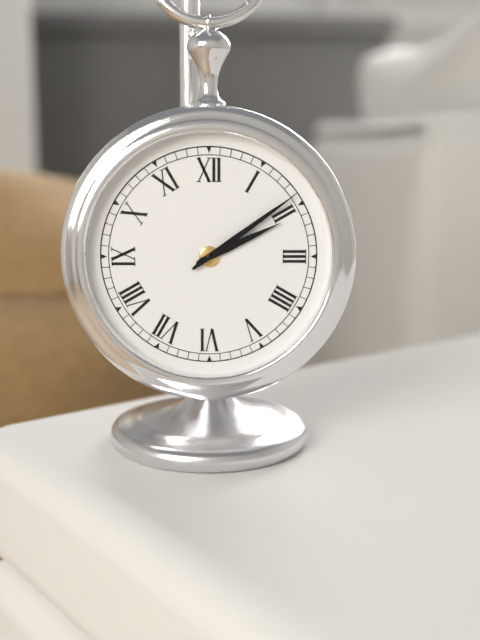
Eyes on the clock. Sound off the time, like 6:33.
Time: 2:09
